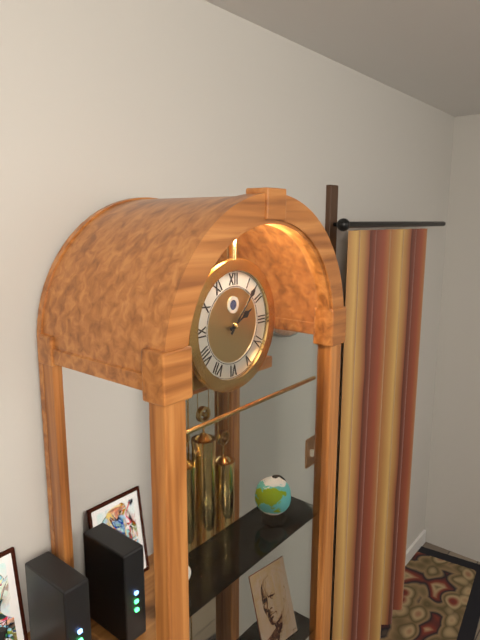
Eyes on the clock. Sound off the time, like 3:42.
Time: 2:07
